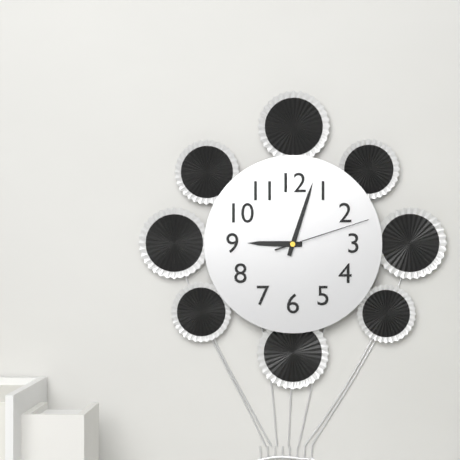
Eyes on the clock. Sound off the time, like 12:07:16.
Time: 9:03:12
